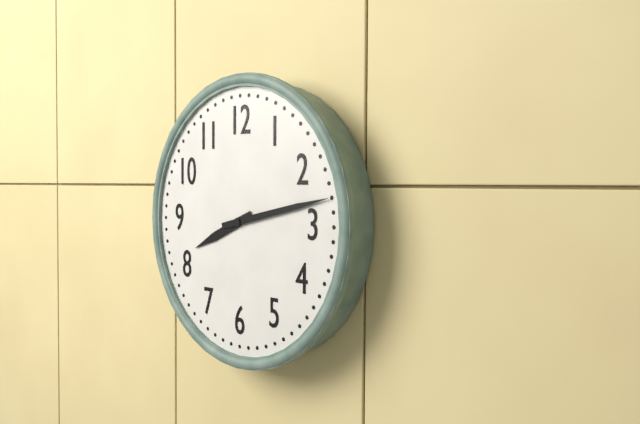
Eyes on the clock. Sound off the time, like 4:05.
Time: 8:13
